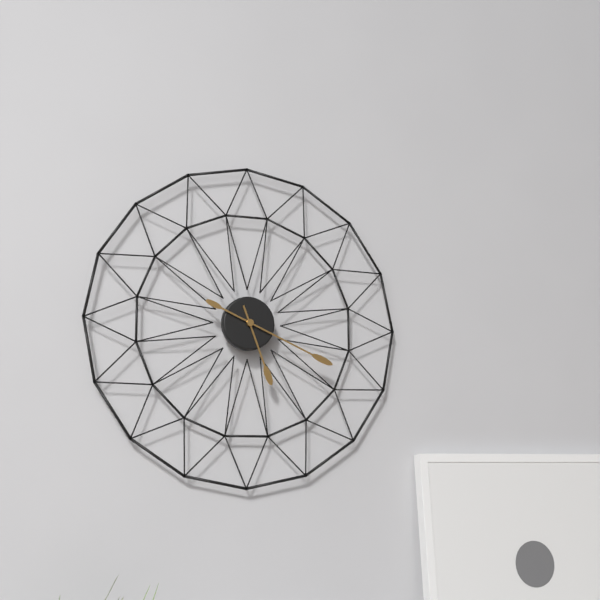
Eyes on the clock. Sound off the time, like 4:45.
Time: 5:19
